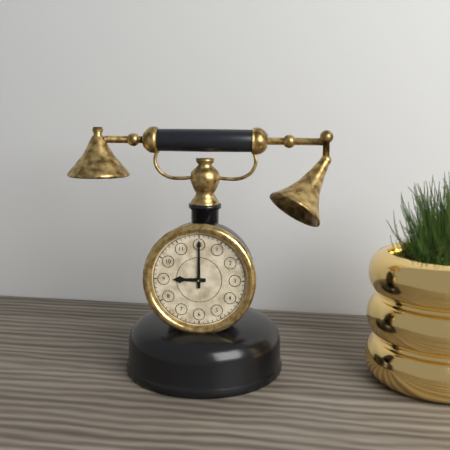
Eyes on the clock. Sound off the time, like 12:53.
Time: 9:00
